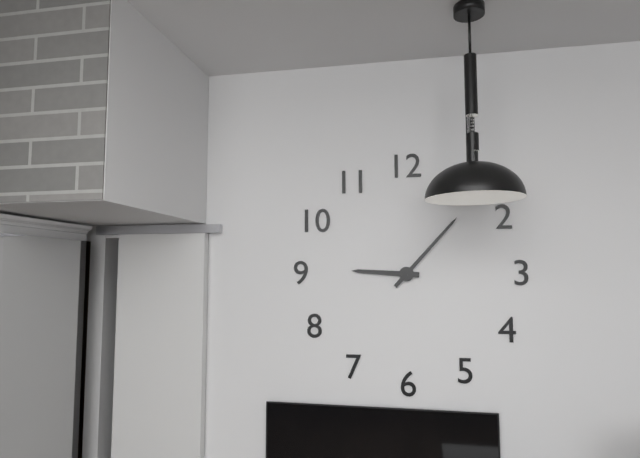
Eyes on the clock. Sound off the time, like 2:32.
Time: 9:07
